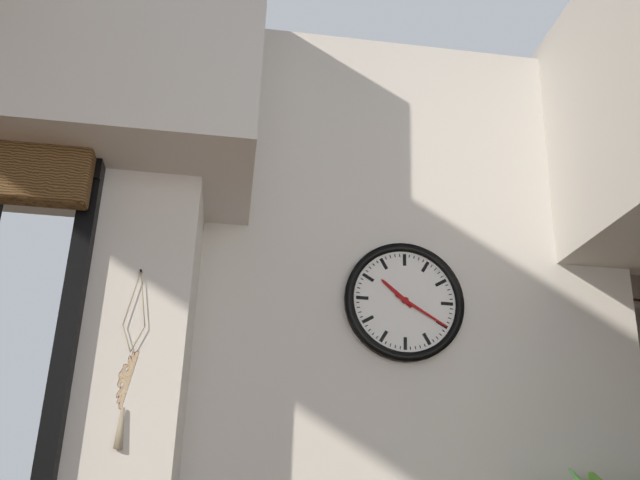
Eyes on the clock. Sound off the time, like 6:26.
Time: 10:20
